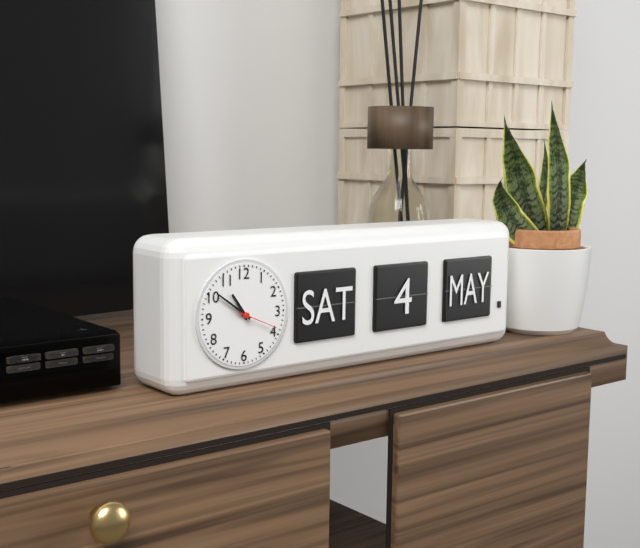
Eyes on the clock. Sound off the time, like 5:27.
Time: 10:51
